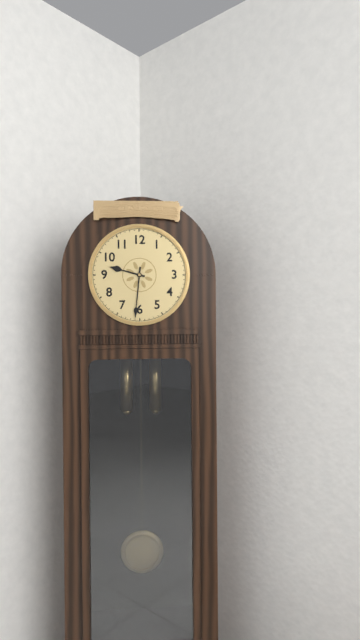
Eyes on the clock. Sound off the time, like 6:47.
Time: 9:31
